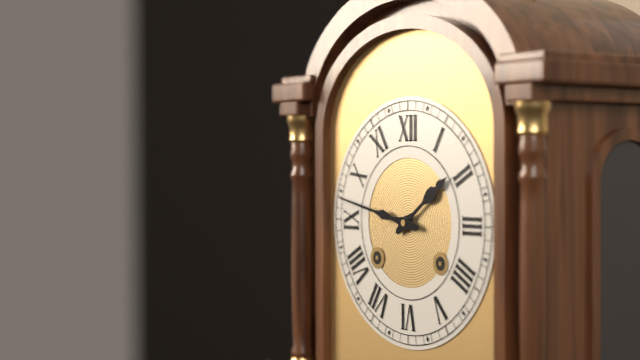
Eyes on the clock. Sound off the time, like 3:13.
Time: 1:47
